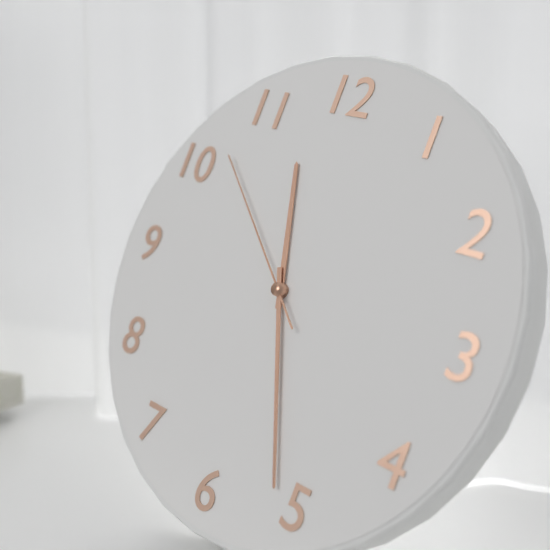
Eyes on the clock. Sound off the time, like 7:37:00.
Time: 11:26:52
